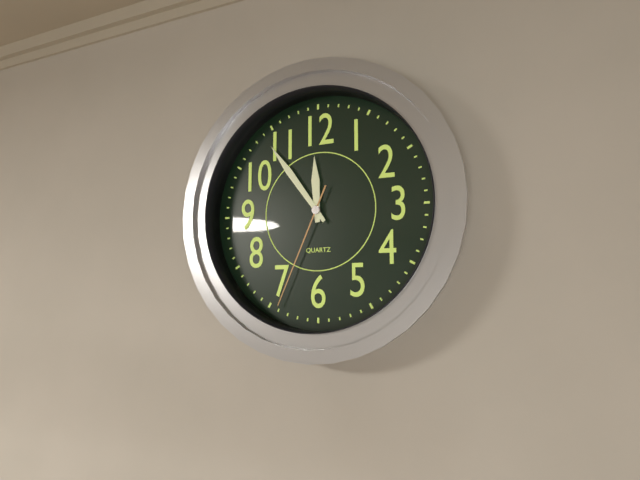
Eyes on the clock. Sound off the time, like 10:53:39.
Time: 11:54:34
